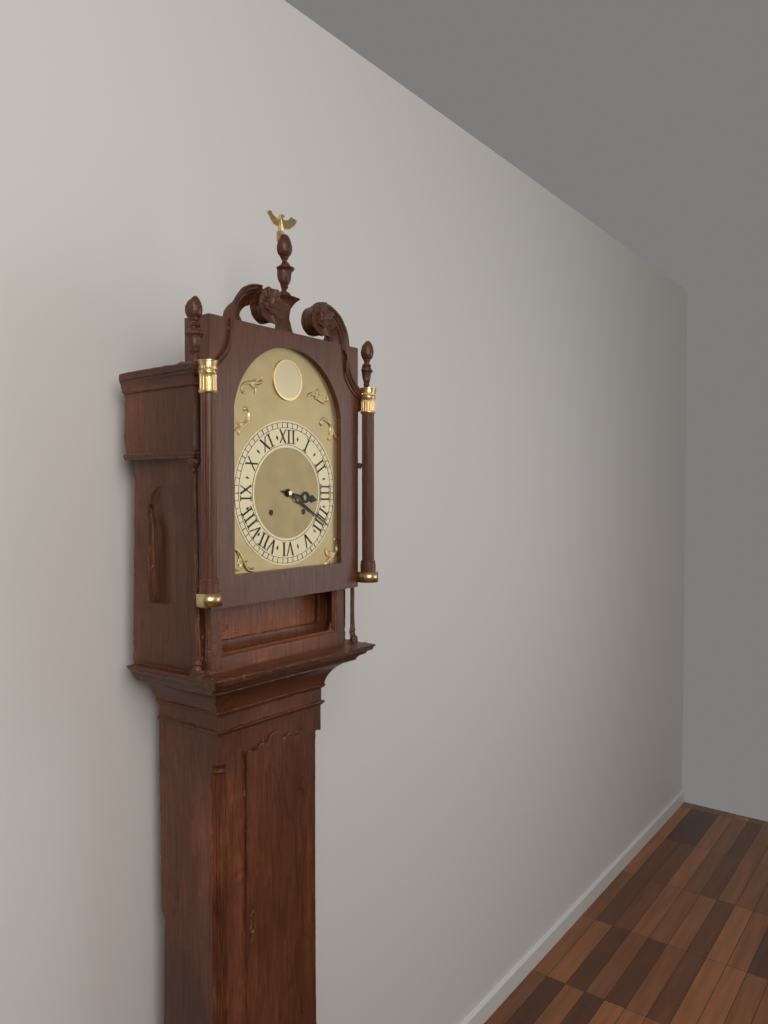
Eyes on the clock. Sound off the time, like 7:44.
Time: 3:20
